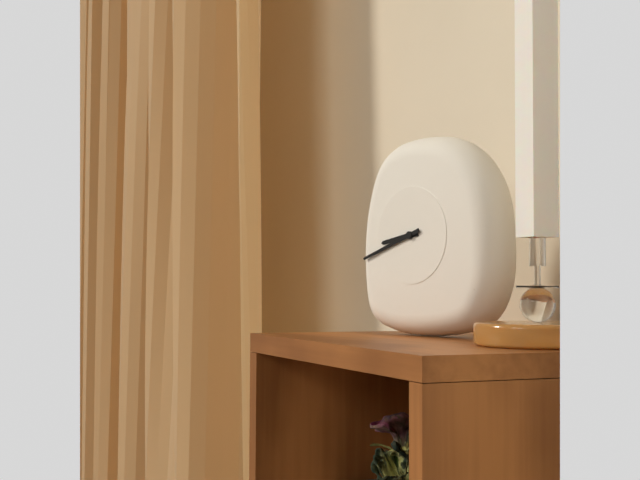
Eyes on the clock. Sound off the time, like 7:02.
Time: 8:42
